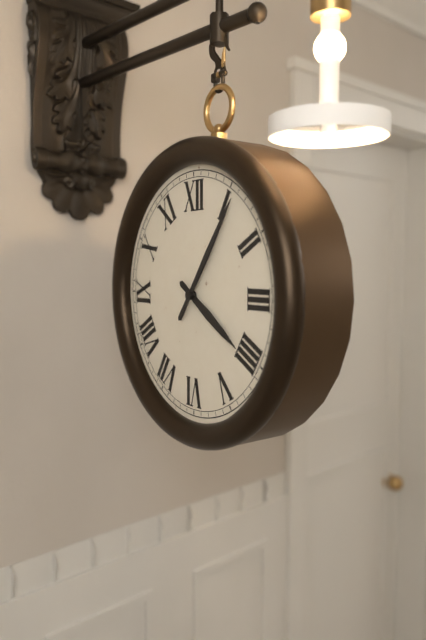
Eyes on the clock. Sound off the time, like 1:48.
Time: 4:06
